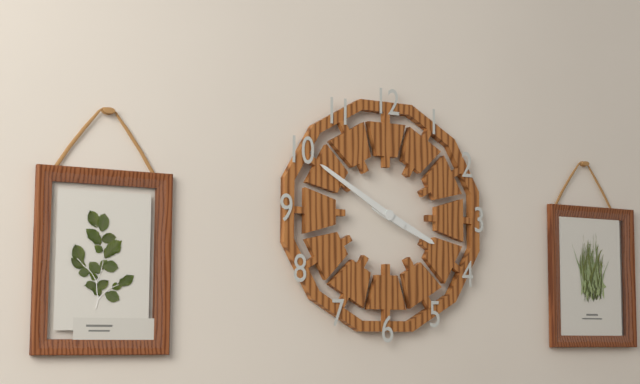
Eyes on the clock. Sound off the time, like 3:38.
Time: 3:50
